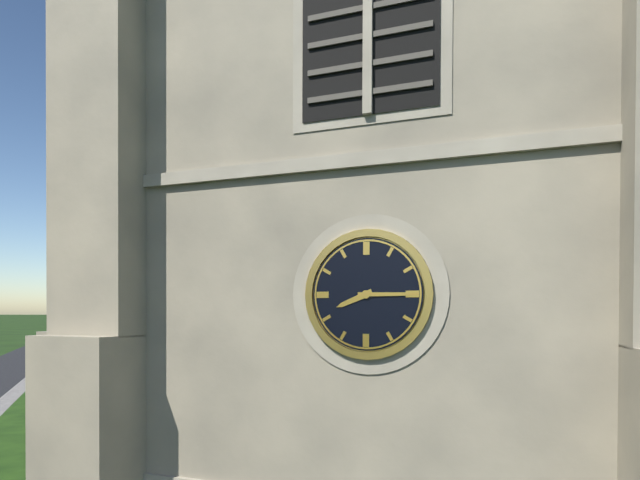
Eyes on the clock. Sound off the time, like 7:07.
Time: 8:15
